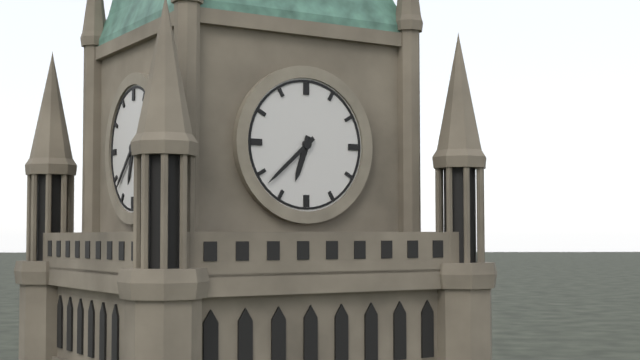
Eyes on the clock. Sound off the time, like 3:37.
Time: 6:38
